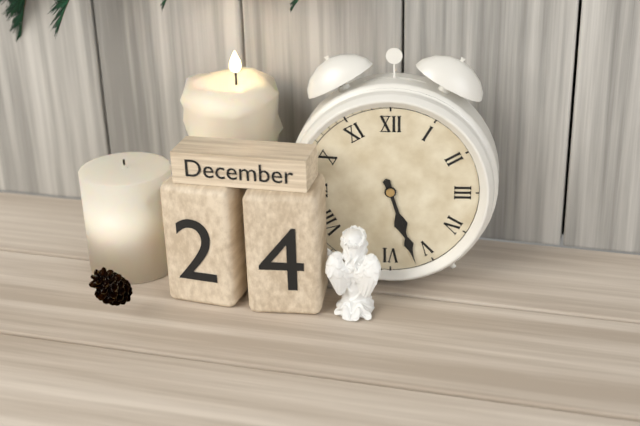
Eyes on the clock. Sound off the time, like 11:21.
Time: 5:27
